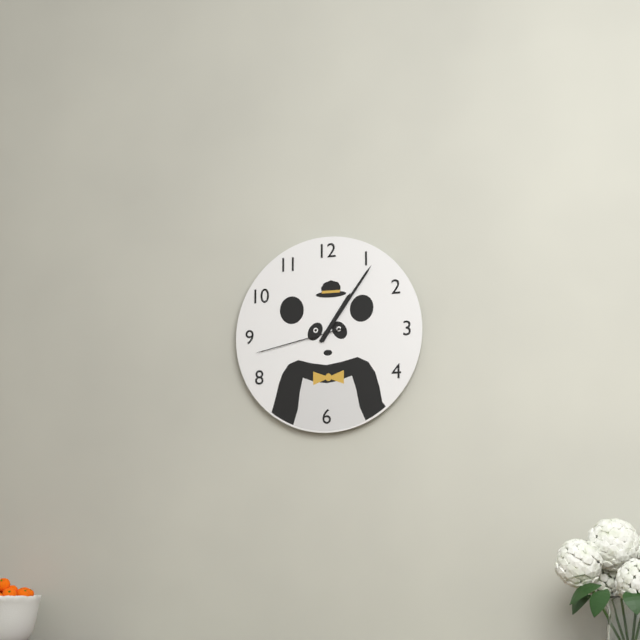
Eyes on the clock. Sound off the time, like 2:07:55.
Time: 1:06:43
